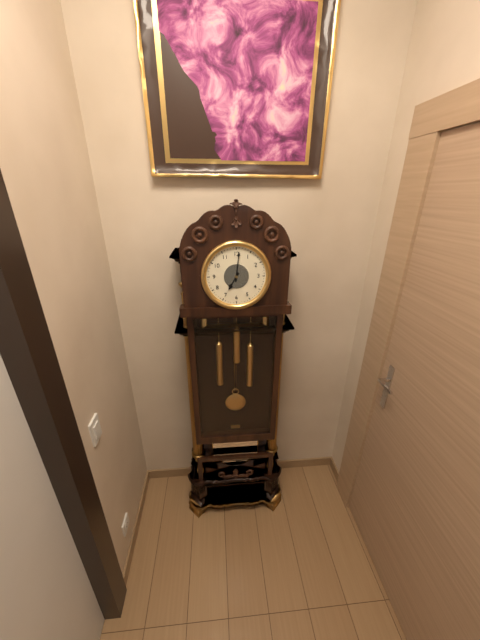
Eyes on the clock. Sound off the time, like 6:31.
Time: 7:01
